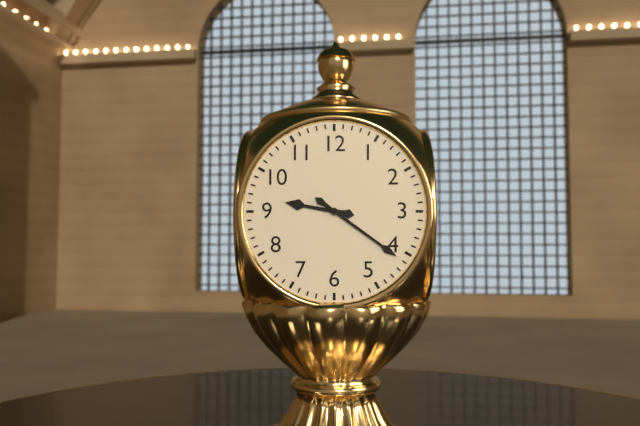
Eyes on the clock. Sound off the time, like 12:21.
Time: 9:21
